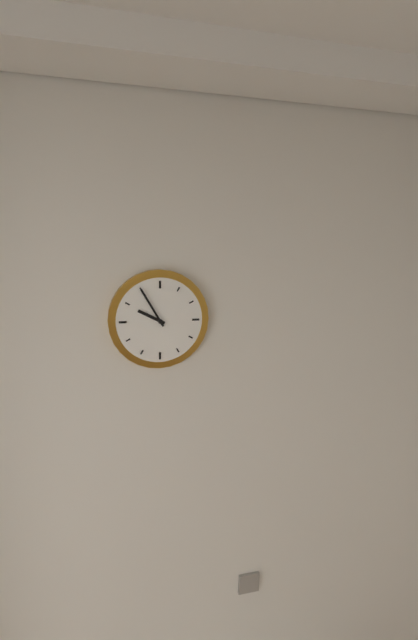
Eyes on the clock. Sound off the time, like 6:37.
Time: 9:55
